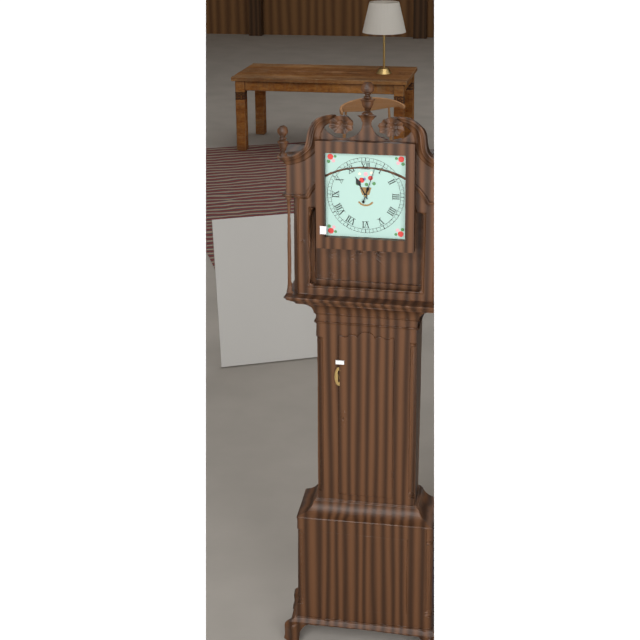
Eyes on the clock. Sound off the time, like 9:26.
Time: 11:03
